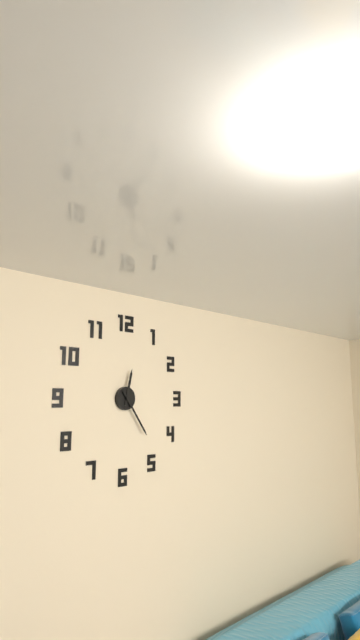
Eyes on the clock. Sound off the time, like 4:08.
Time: 12:24
